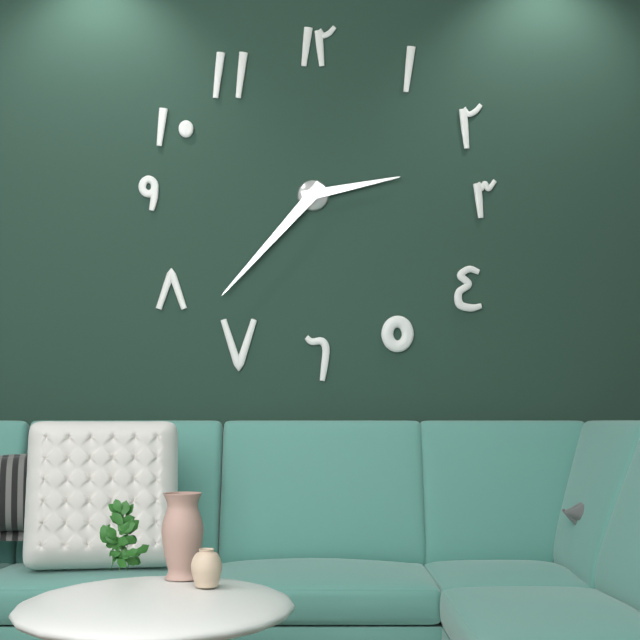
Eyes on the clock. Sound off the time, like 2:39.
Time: 2:37
